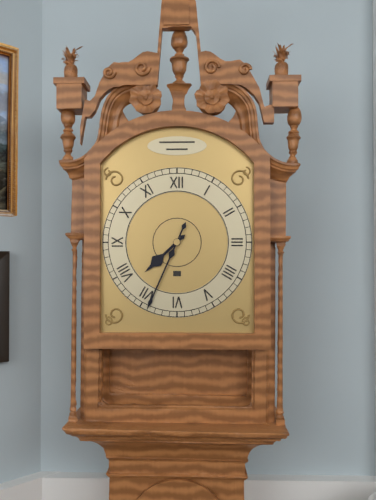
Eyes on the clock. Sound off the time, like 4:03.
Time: 7:34
